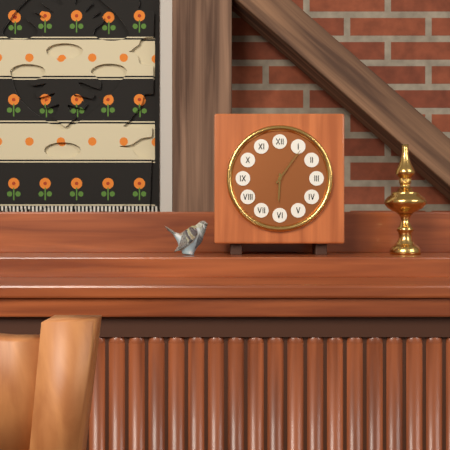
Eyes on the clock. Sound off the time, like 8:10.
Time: 6:06
